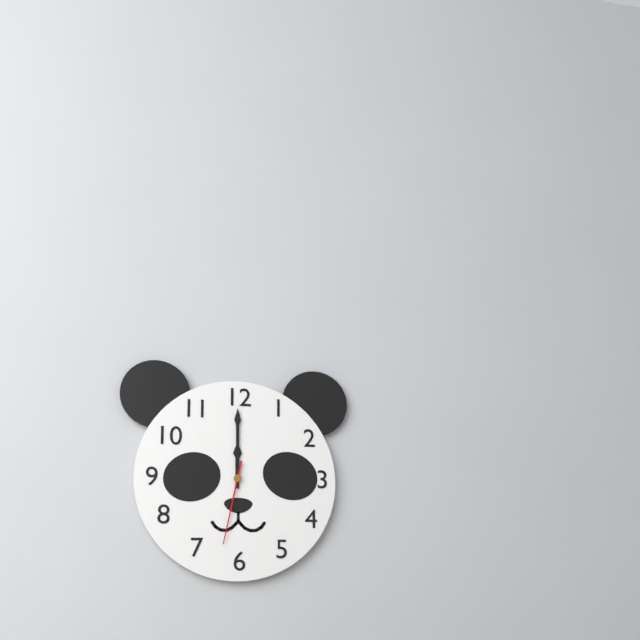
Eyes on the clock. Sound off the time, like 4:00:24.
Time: 12:00:32
